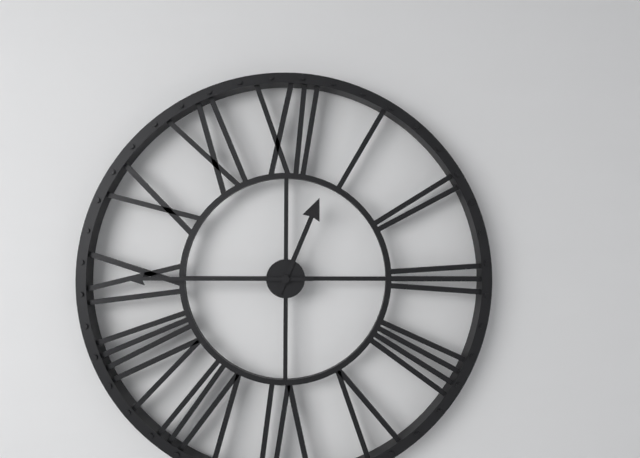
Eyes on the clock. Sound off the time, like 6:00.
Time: 12:45
